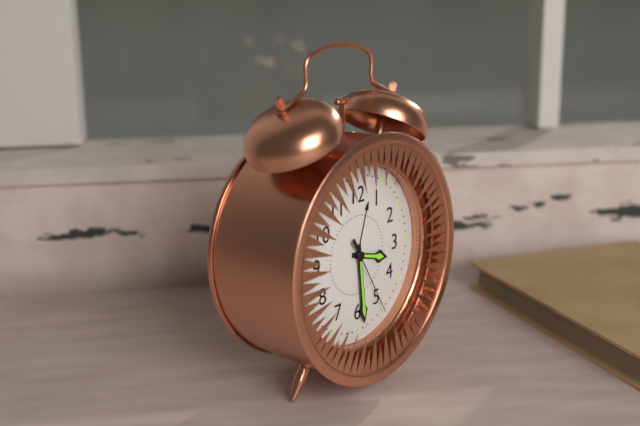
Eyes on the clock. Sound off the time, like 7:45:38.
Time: 3:29:25
